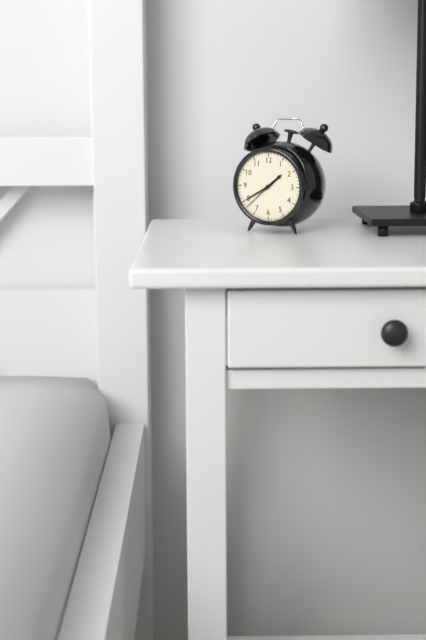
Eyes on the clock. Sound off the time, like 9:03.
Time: 1:40
